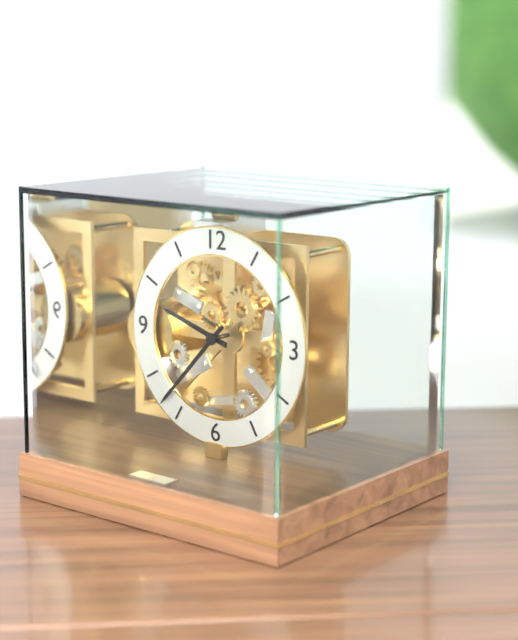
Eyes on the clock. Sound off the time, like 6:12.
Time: 9:37
